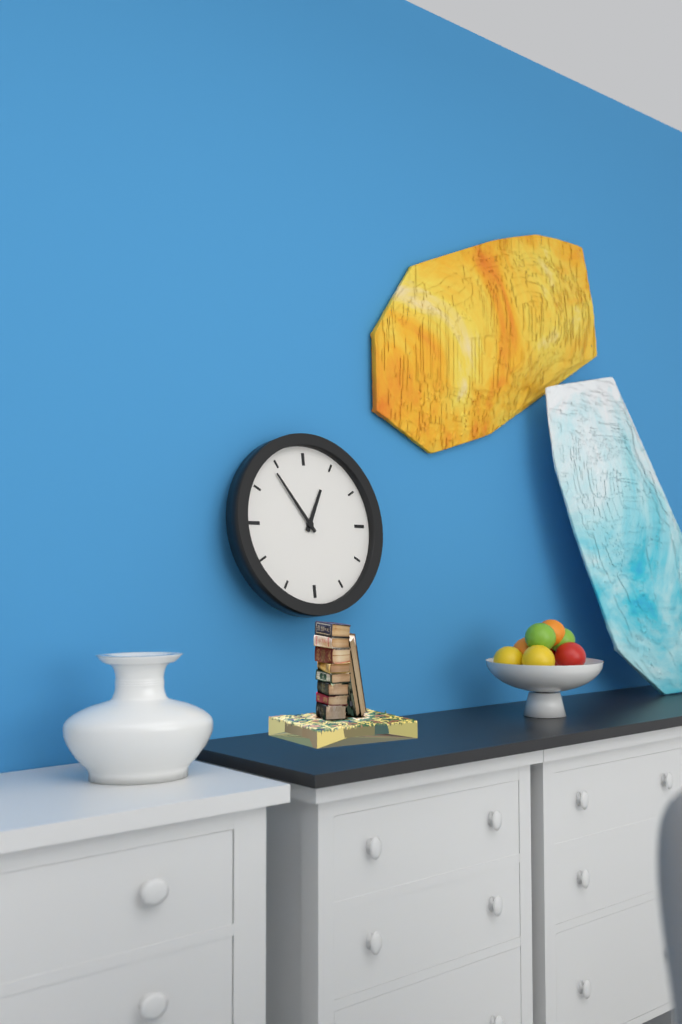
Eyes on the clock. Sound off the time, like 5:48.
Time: 12:54
